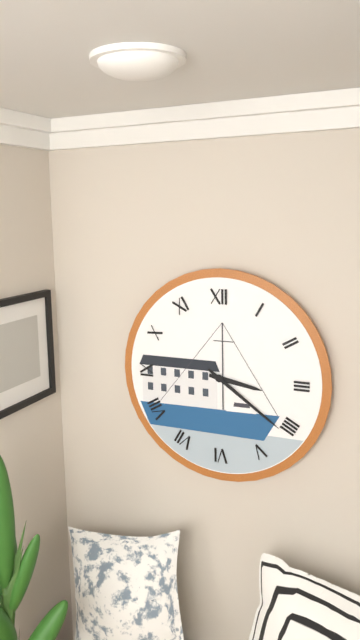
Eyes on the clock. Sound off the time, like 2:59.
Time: 3:21
